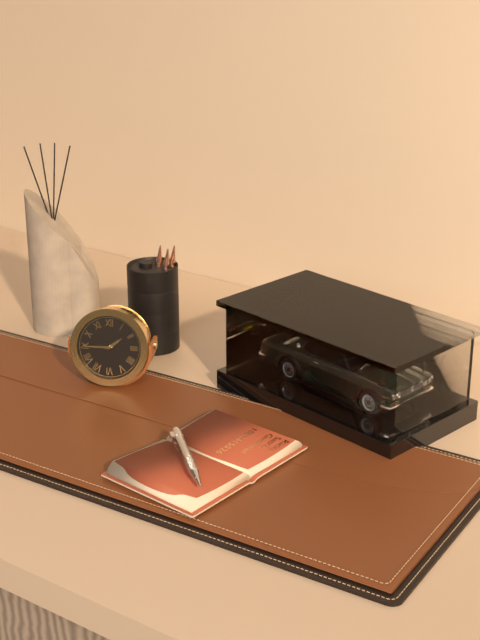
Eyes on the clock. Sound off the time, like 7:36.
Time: 1:45
